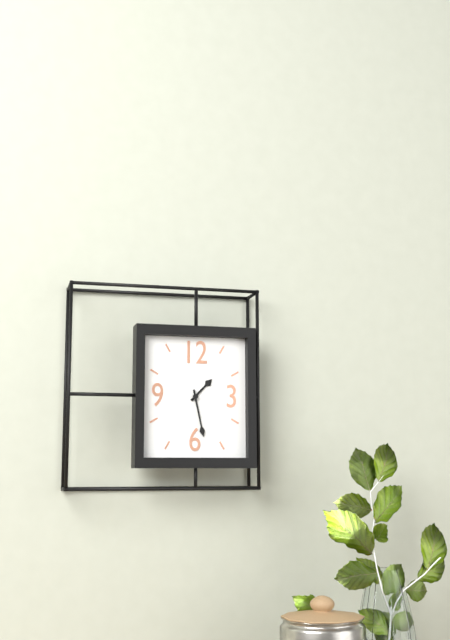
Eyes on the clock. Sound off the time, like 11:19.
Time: 1:28
